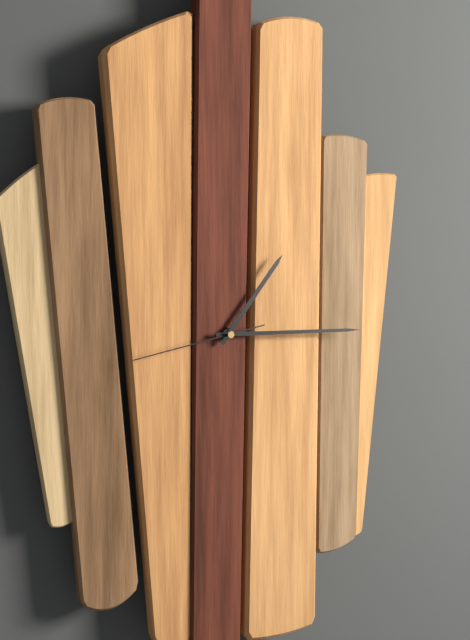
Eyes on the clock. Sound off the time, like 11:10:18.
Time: 1:15:43
